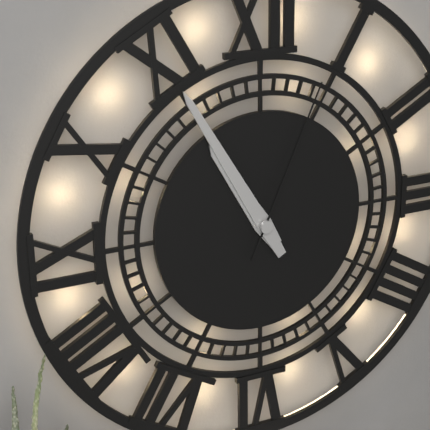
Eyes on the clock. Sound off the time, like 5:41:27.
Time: 10:55:04
